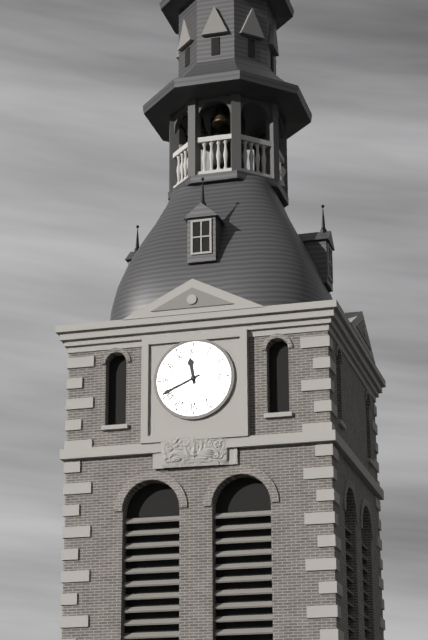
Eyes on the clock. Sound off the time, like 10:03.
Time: 11:41
